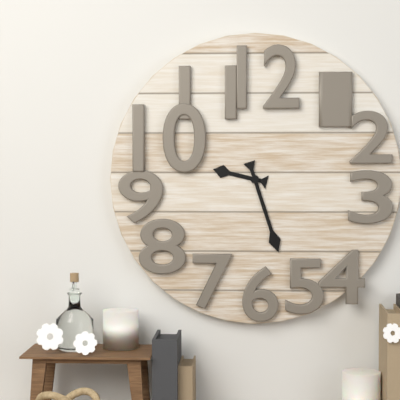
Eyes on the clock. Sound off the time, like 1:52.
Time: 9:27
